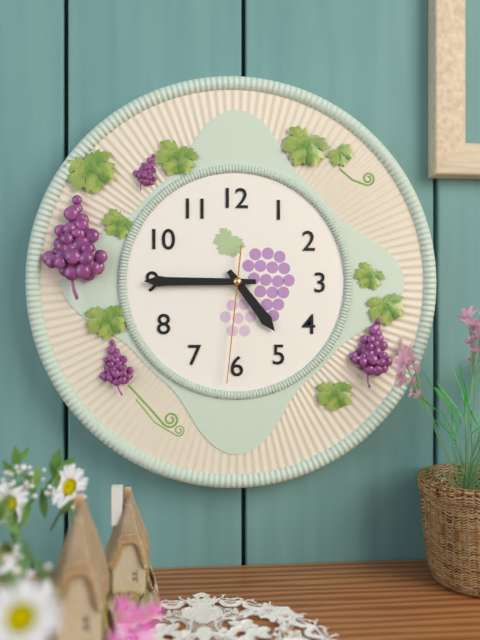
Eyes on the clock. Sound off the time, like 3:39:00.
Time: 4:45:31
